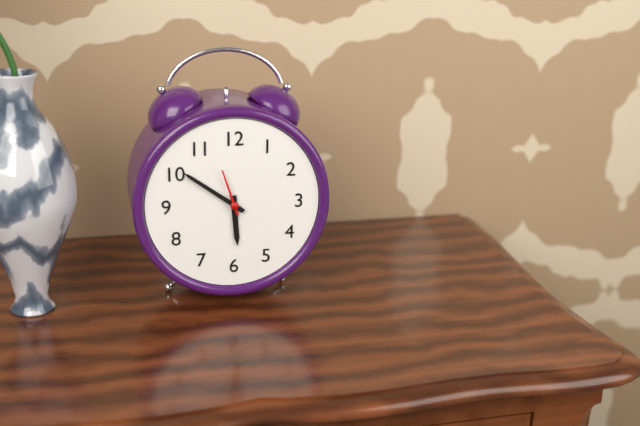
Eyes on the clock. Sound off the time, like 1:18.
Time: 5:51
